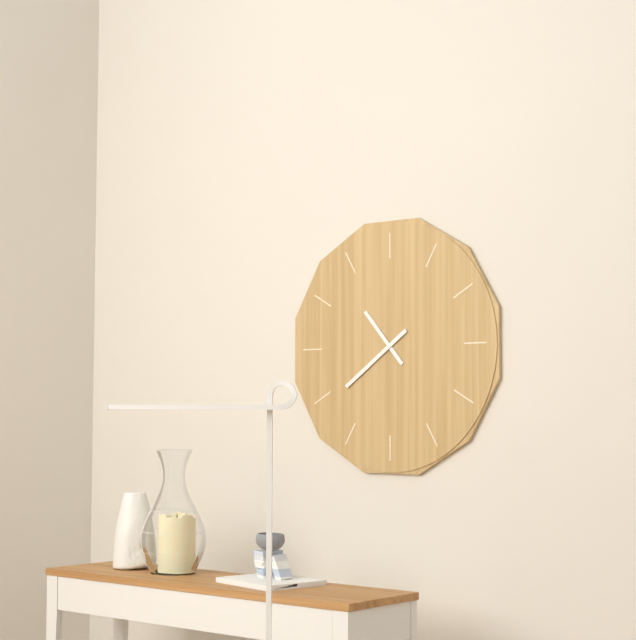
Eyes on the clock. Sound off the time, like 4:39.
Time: 10:39
